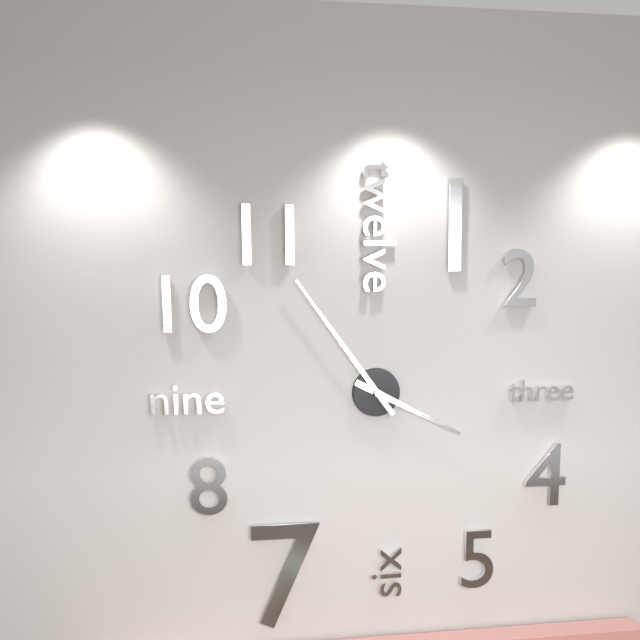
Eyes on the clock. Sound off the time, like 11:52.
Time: 3:54
